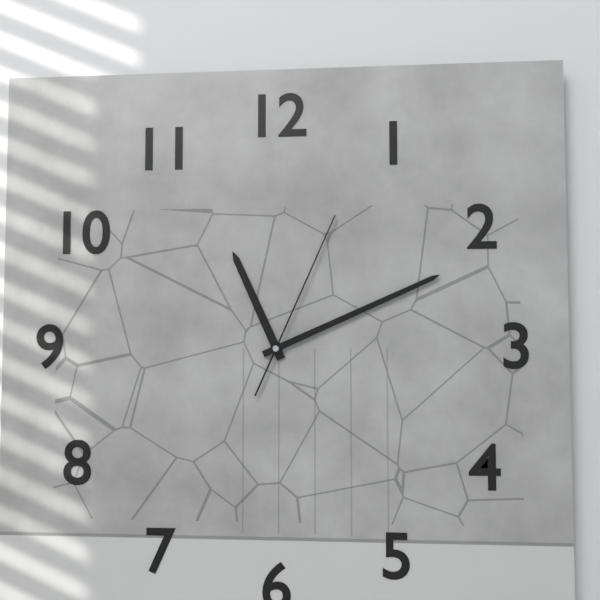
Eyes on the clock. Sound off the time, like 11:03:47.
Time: 11:11:04
